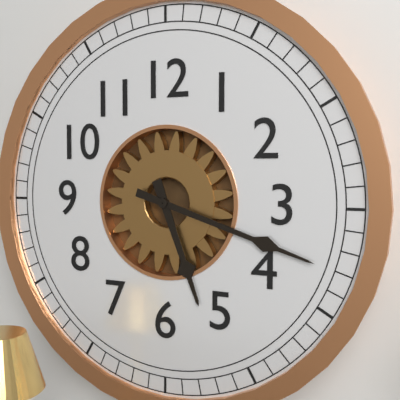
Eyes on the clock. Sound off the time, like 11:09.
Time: 5:18
